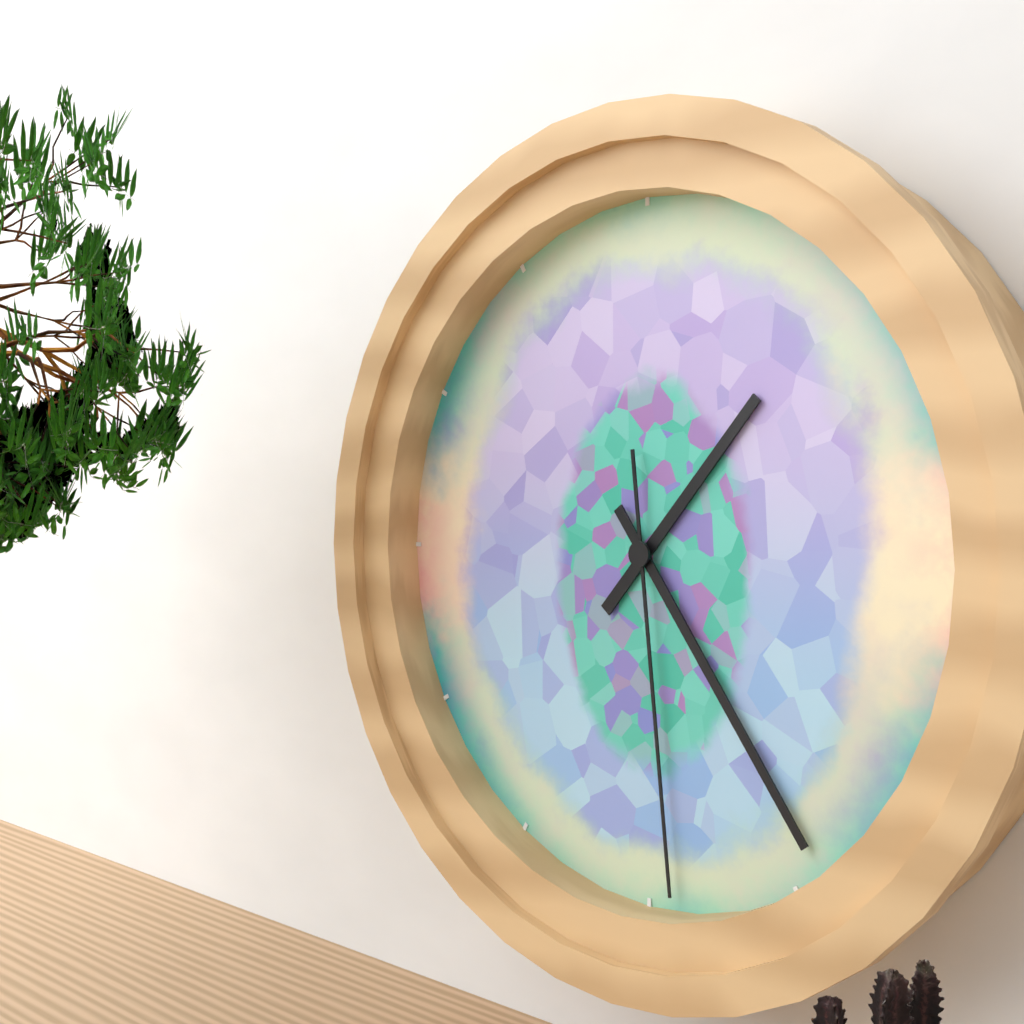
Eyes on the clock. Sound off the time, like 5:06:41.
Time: 1:24:29
